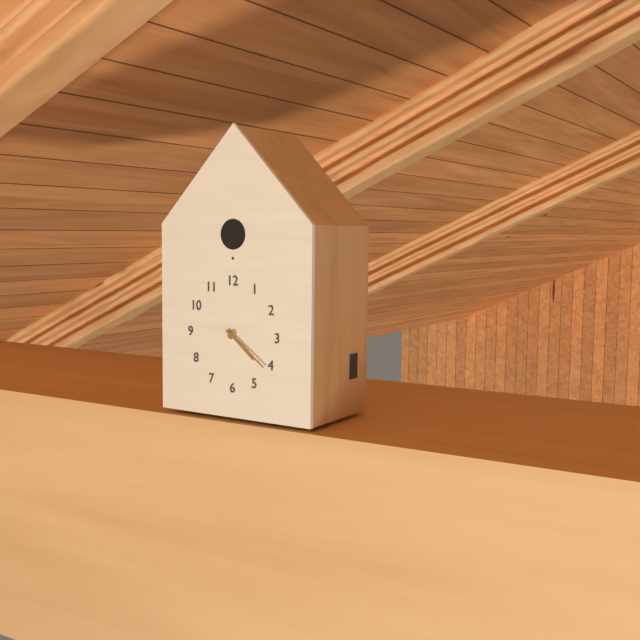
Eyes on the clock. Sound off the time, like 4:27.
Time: 4:21
